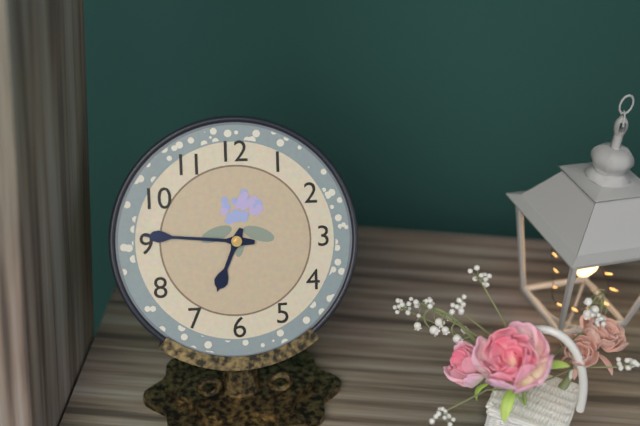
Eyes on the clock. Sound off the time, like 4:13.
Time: 6:46
